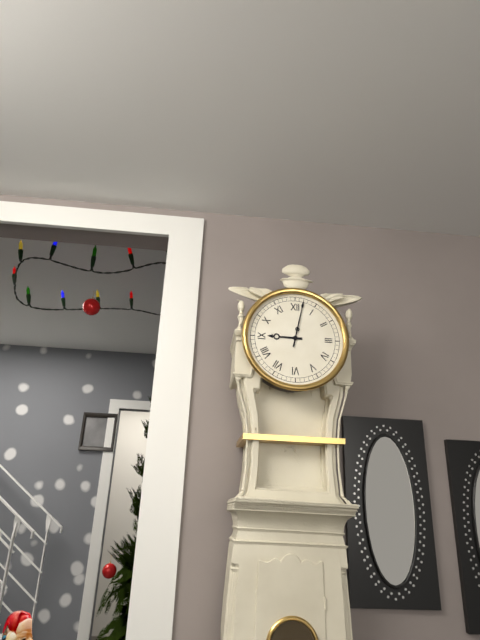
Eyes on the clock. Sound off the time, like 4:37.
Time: 9:02
